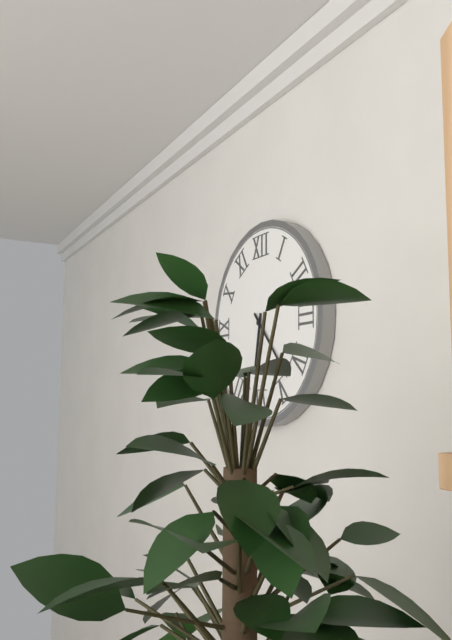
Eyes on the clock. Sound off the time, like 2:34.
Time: 6:23
